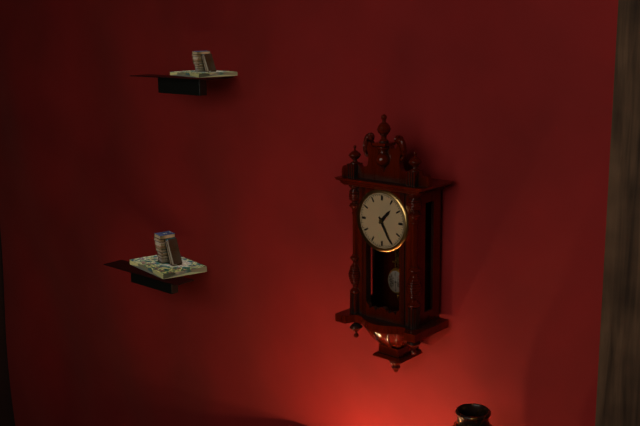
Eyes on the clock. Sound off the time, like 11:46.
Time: 1:25
